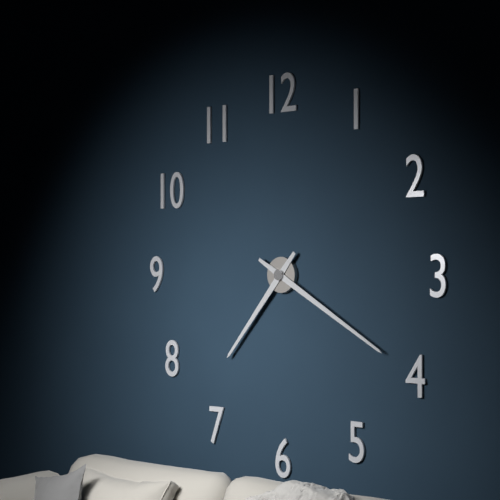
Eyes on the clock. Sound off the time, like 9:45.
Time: 7:20
